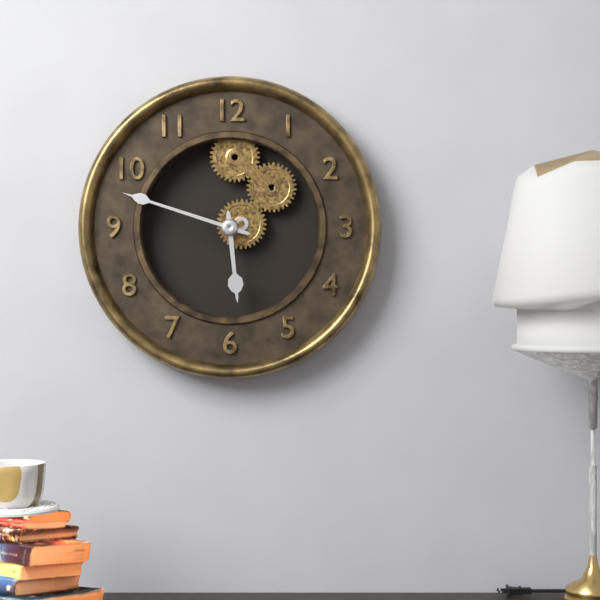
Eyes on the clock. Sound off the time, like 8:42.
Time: 5:48
